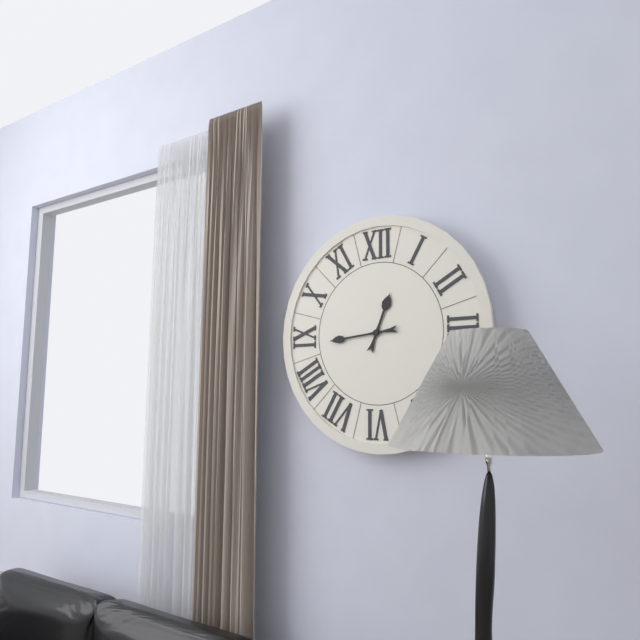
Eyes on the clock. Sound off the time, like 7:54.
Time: 12:44
